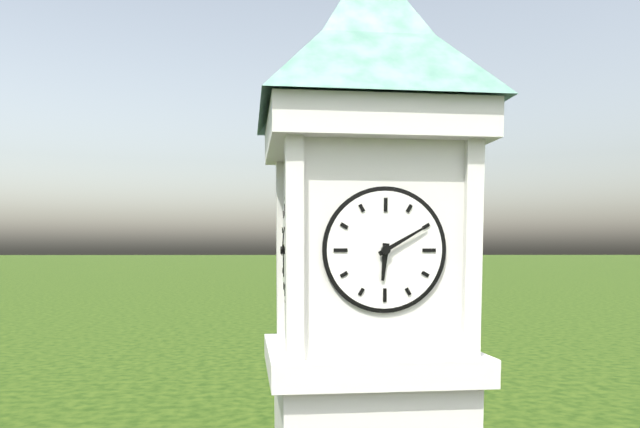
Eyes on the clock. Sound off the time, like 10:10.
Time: 6:10
